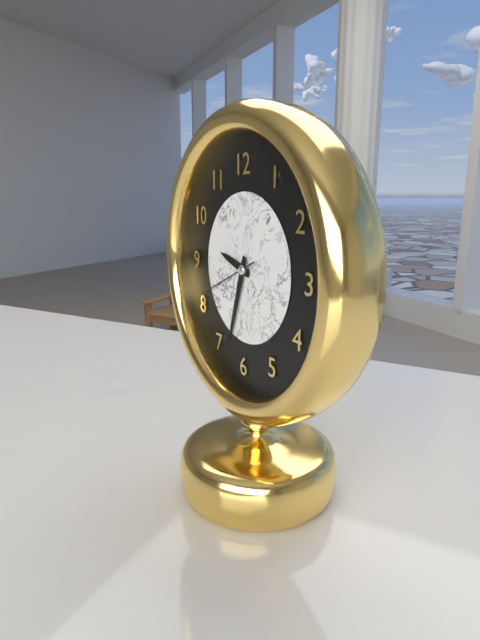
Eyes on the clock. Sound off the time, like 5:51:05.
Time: 9:33:41
